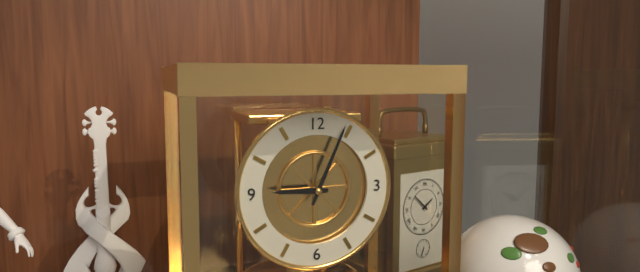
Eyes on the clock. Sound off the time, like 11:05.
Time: 9:04
